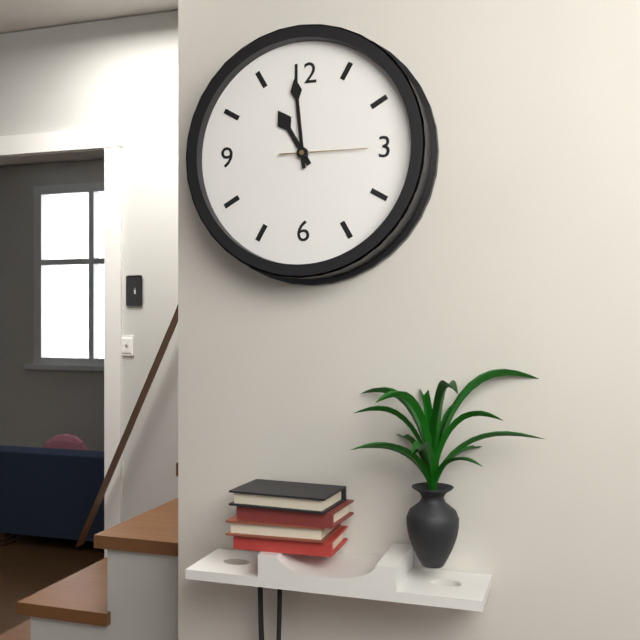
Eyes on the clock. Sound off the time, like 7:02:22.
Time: 10:59:15
